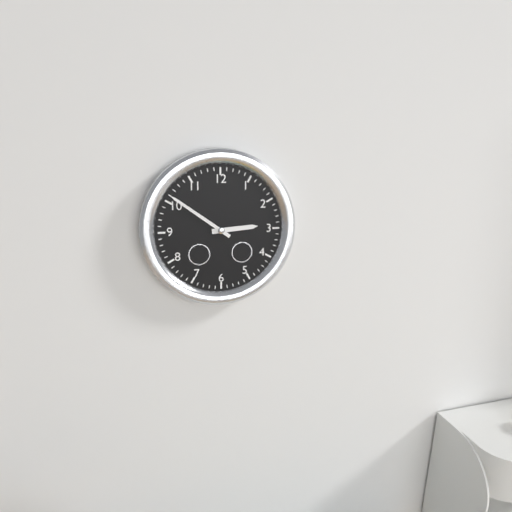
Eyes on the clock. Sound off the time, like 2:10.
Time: 2:51
